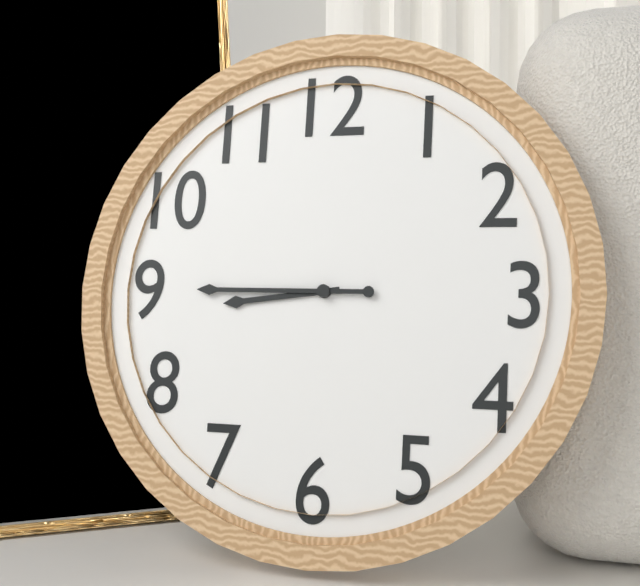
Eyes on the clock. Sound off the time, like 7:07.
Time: 8:45
